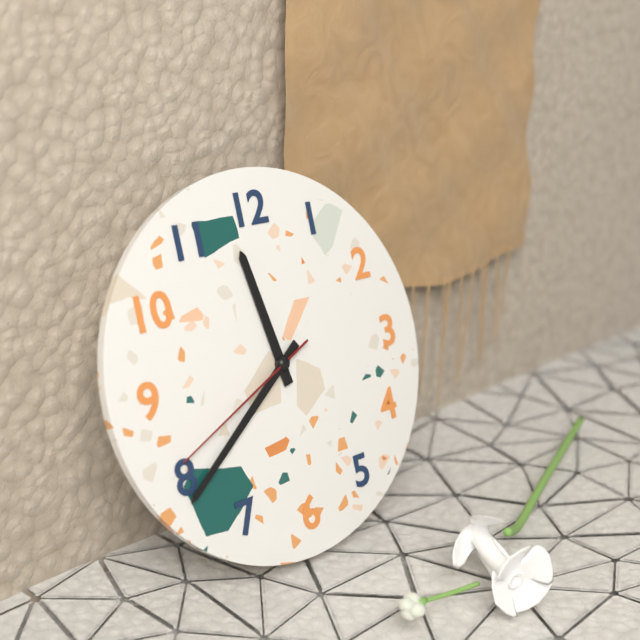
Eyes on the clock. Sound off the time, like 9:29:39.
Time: 11:39:41
